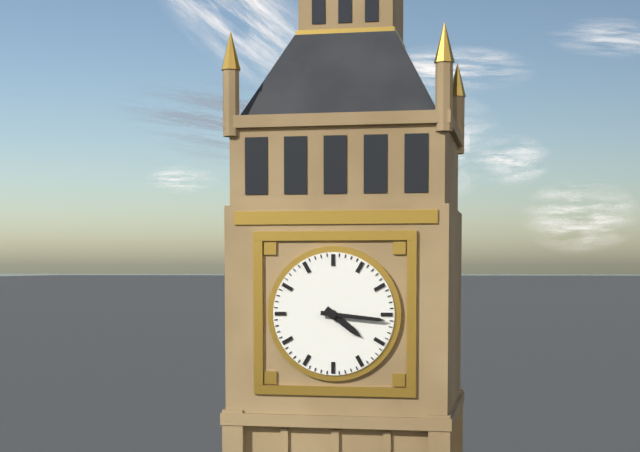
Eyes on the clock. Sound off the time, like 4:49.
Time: 4:16
